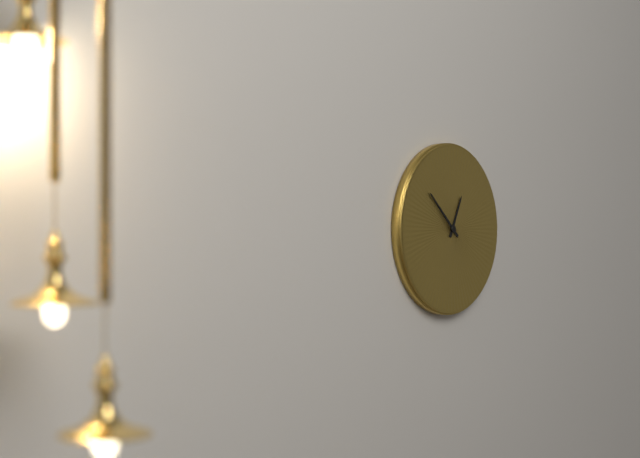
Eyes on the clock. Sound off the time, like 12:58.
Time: 12:52
